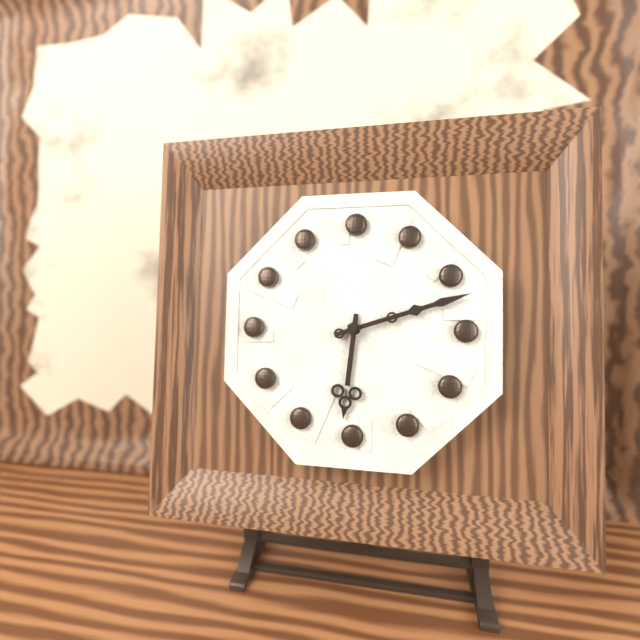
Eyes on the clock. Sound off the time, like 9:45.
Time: 6:12
